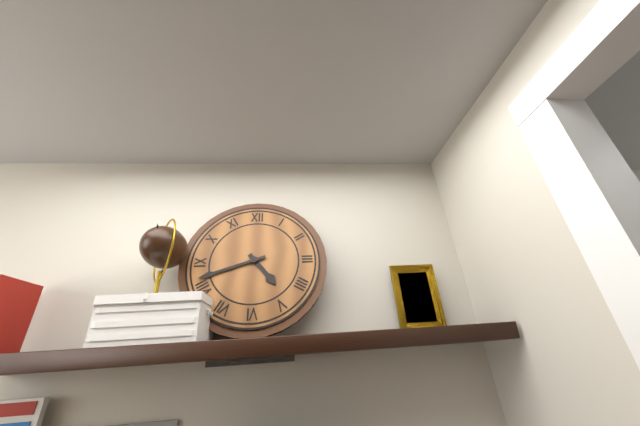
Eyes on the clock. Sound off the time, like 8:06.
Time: 4:42
